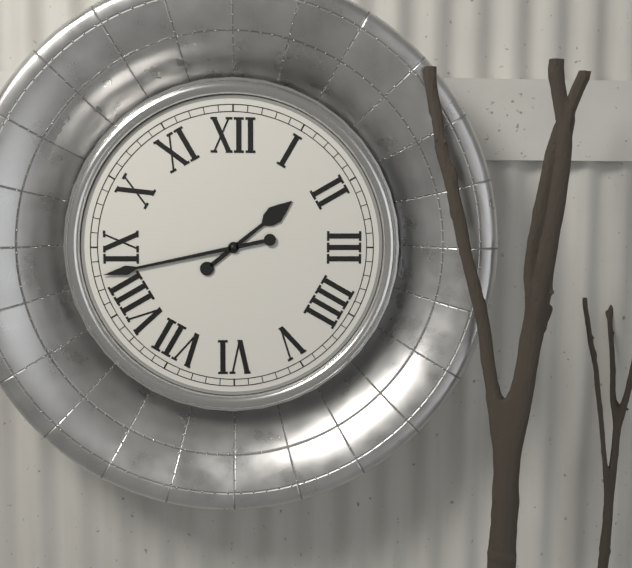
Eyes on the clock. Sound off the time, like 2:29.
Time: 1:43
